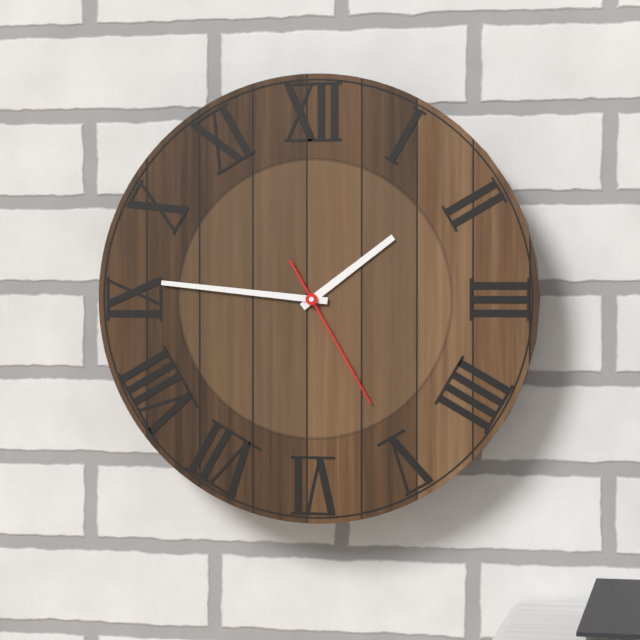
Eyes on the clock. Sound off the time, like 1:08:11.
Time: 1:46:25
